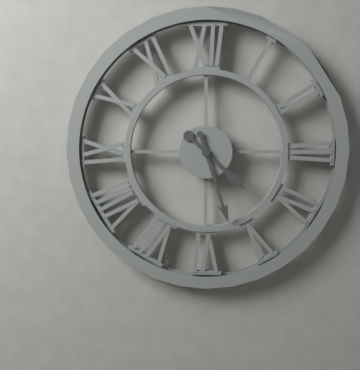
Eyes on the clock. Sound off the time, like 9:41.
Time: 4:27
